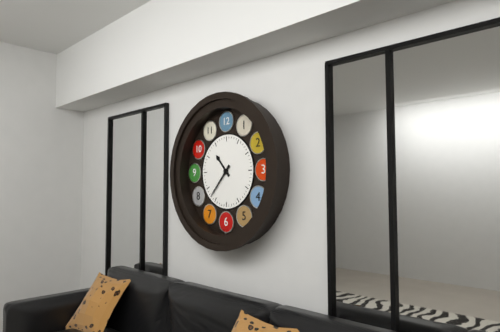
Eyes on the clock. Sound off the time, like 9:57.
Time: 10:37
